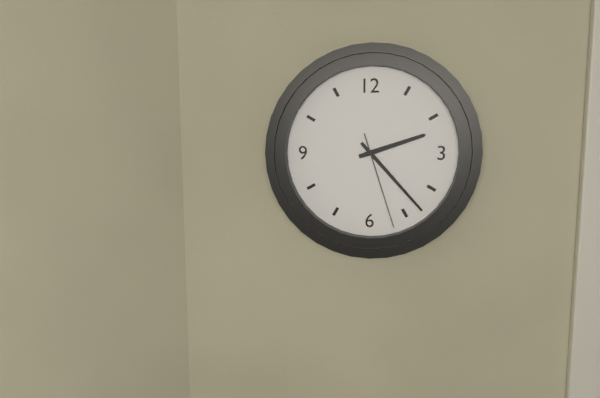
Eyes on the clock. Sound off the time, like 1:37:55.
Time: 2:23:27
